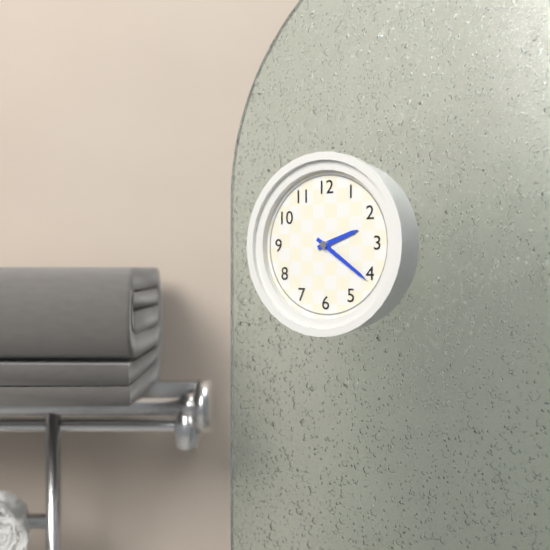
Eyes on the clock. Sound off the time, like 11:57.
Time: 2:21
